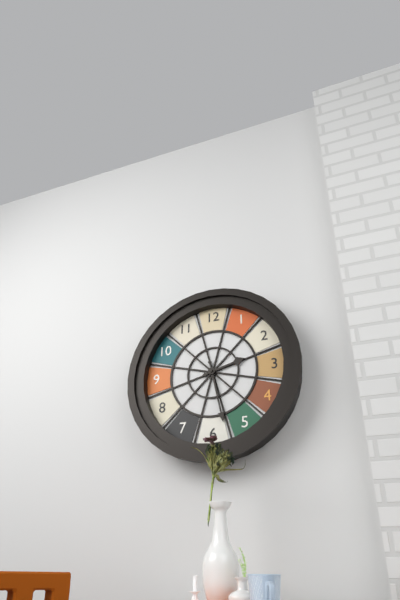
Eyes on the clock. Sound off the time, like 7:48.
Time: 2:28
